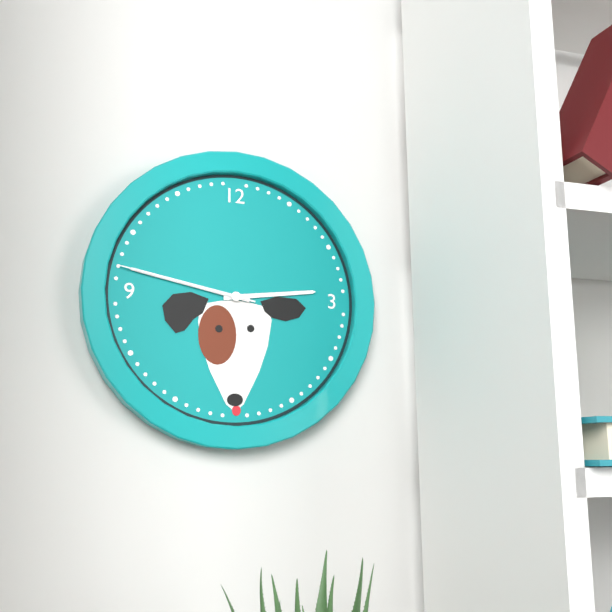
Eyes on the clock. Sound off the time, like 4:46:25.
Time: 2:47:47
